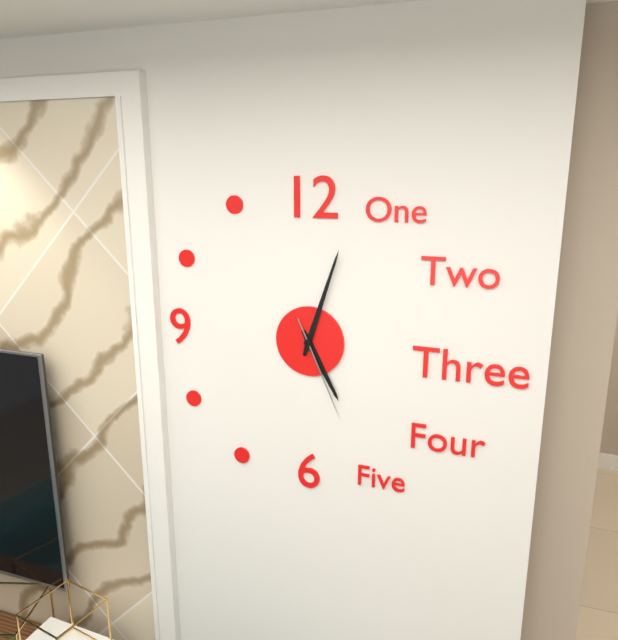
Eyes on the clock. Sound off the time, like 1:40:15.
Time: 5:03:26
